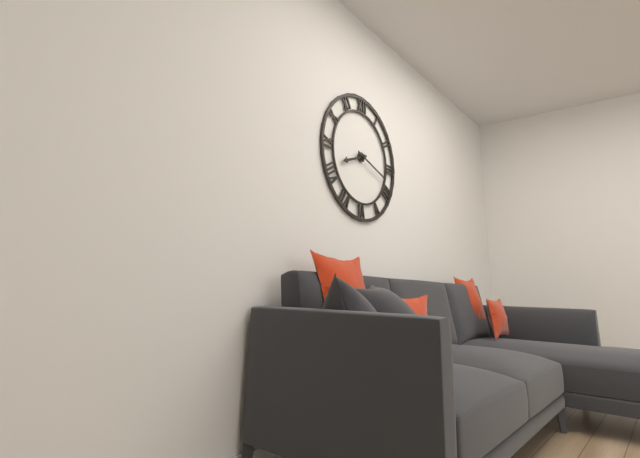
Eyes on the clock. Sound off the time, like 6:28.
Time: 8:18
